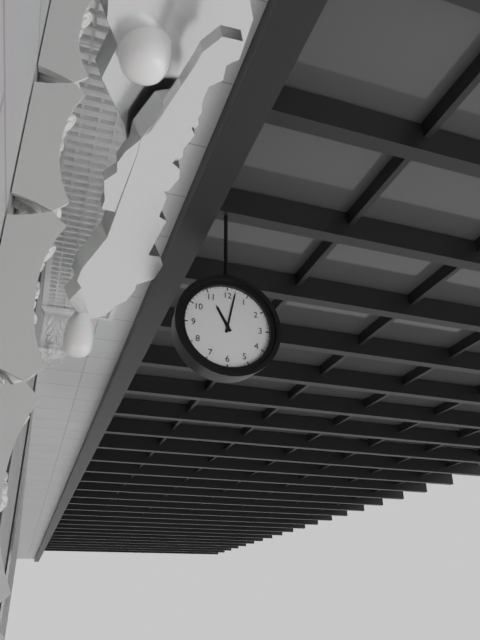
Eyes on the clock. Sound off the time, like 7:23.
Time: 11:02
